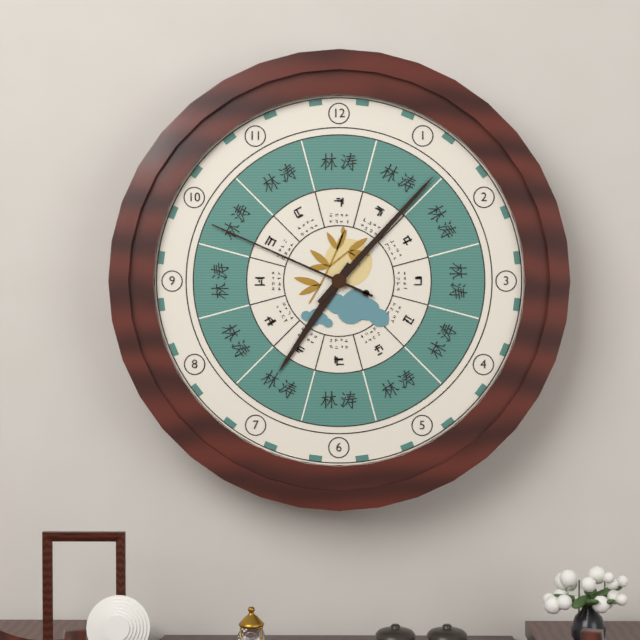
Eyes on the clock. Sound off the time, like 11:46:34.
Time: 7:07:49
